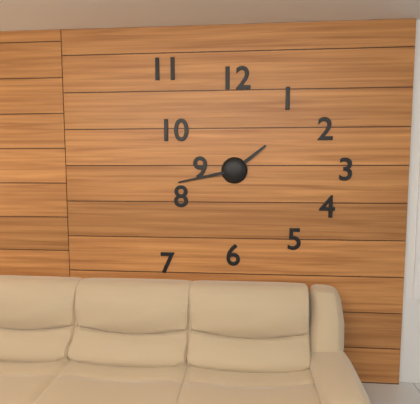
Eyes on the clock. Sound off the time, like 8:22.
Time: 1:43
